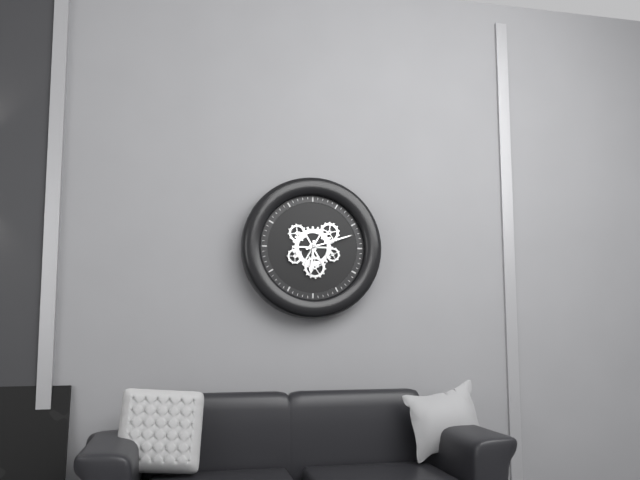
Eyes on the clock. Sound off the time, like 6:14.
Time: 6:12
